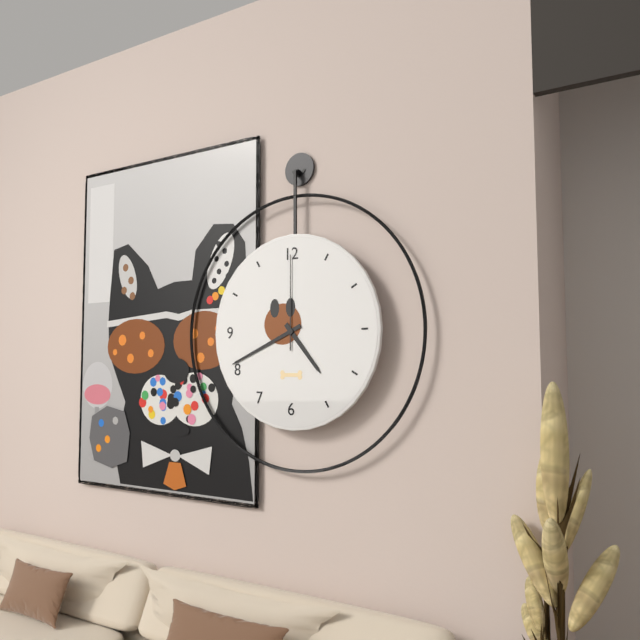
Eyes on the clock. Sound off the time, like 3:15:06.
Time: 4:41:00
